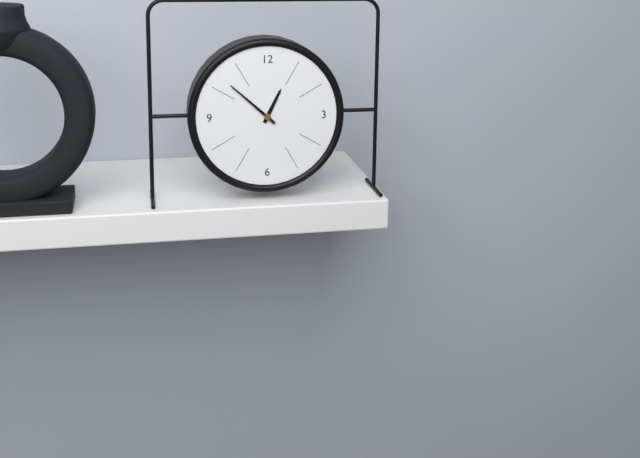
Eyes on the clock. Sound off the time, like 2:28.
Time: 12:52
